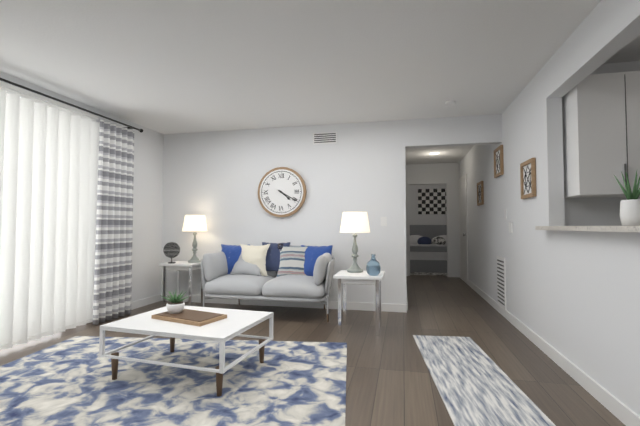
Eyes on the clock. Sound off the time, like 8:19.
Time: 4:20
